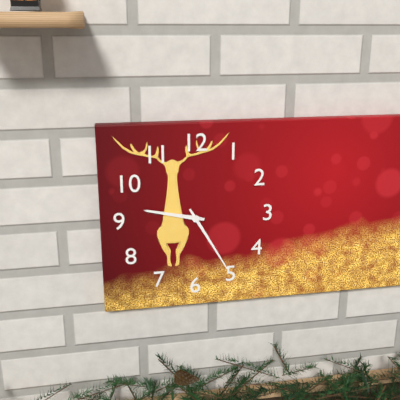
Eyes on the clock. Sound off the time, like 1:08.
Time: 9:25
